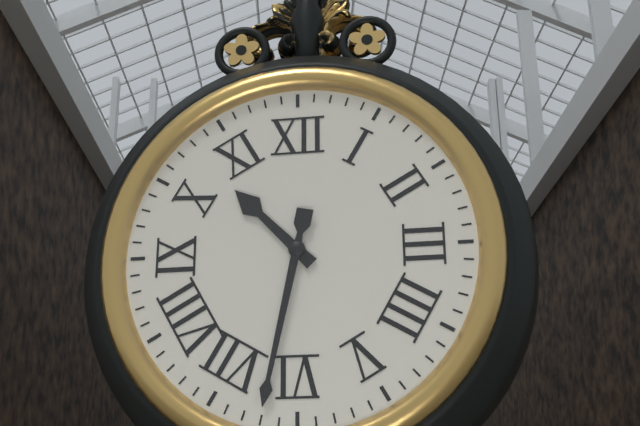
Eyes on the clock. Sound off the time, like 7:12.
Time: 10:32
